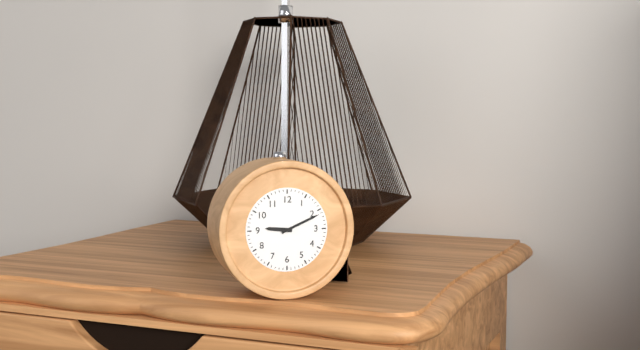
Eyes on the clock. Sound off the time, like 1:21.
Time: 9:11
